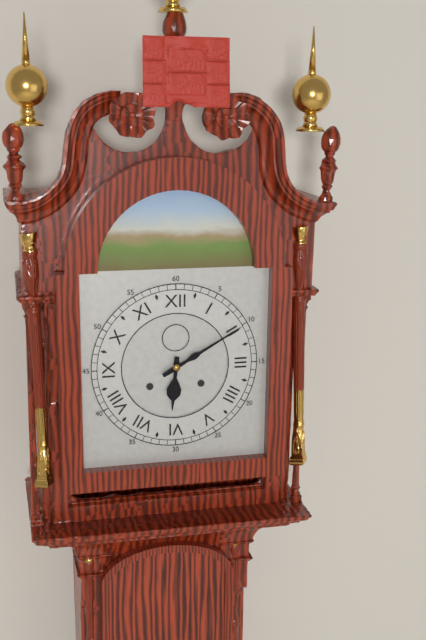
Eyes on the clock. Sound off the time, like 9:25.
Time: 6:10
